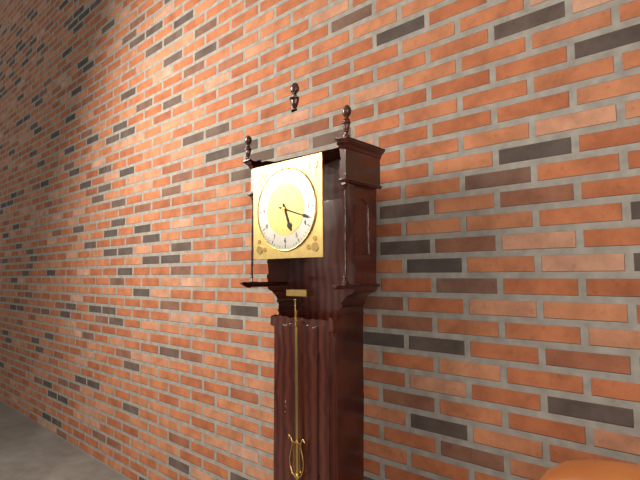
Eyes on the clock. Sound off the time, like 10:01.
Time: 5:18
